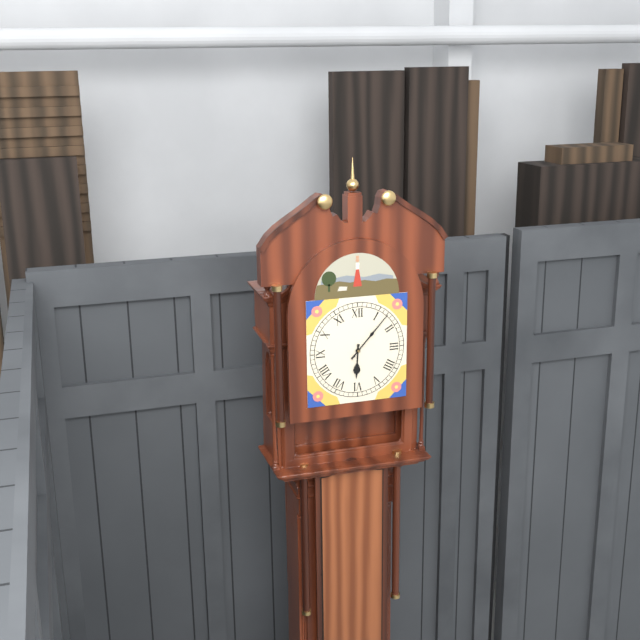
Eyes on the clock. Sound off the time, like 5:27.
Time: 6:07
